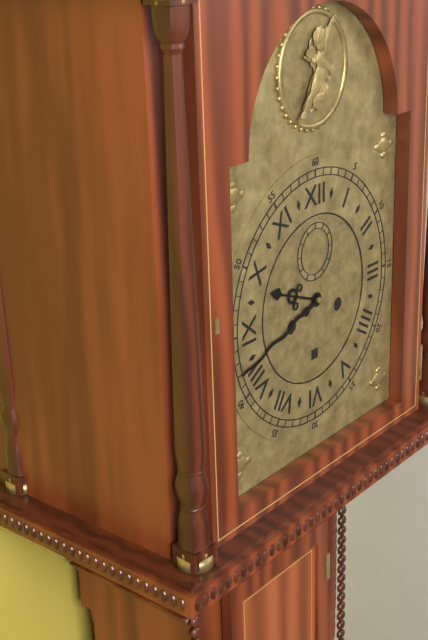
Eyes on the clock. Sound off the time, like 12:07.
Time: 9:42
